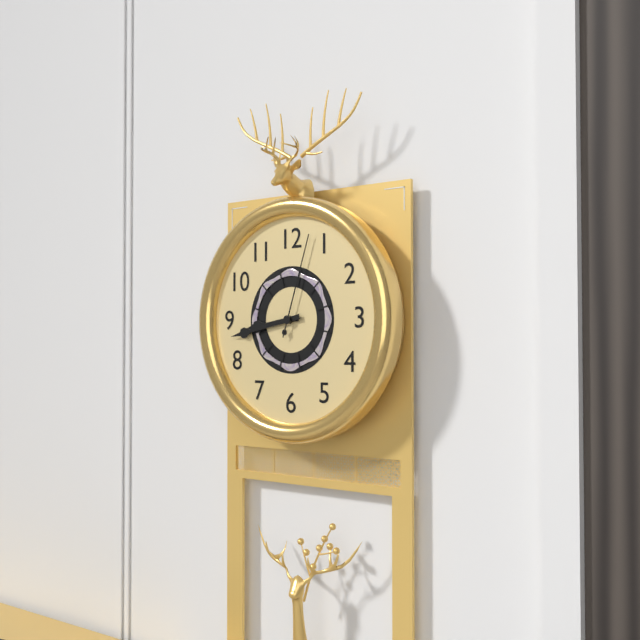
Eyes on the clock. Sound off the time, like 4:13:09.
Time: 8:43:03
